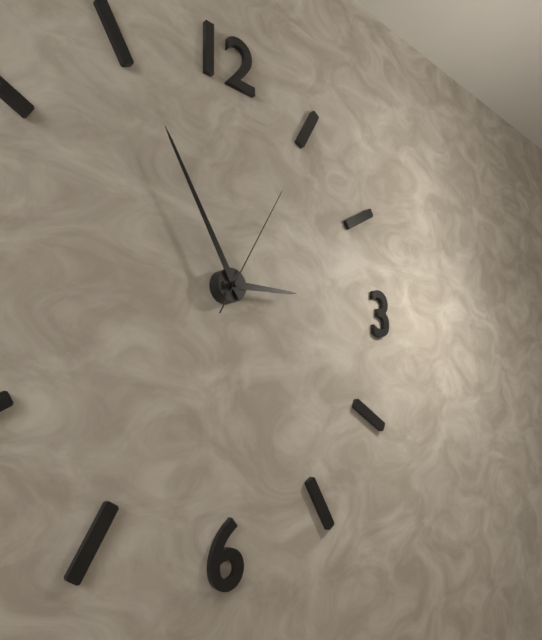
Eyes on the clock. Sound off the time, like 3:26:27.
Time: 2:55:05
